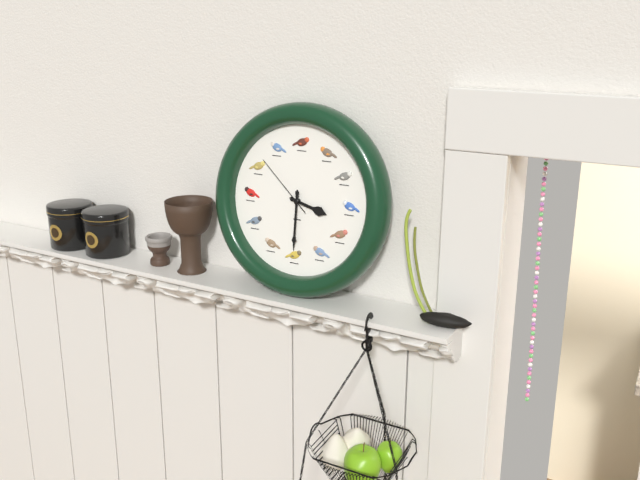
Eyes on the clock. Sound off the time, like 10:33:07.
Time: 3:30:52
